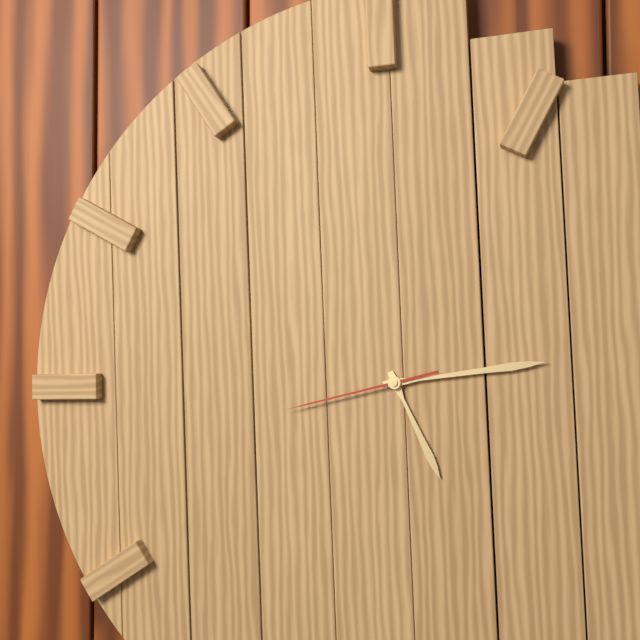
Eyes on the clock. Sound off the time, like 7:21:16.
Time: 5:14:43
